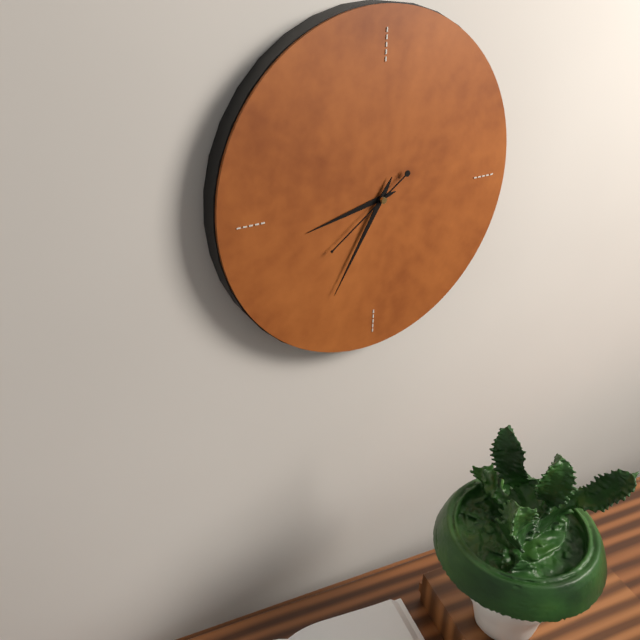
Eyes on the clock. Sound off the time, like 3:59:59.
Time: 8:35:39
